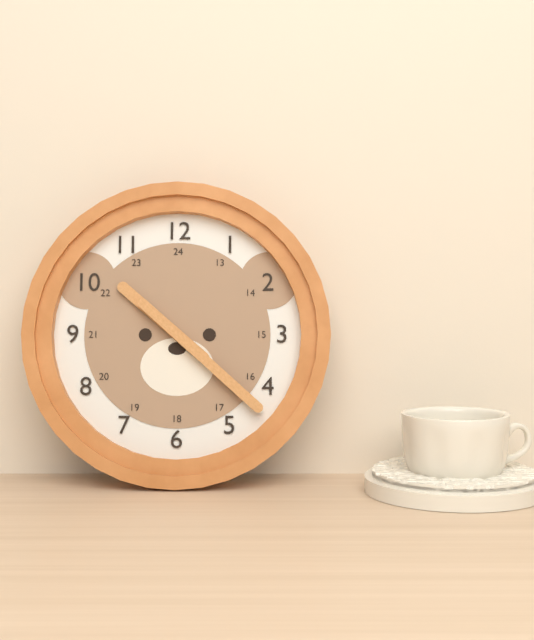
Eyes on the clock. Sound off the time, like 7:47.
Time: 10:22
